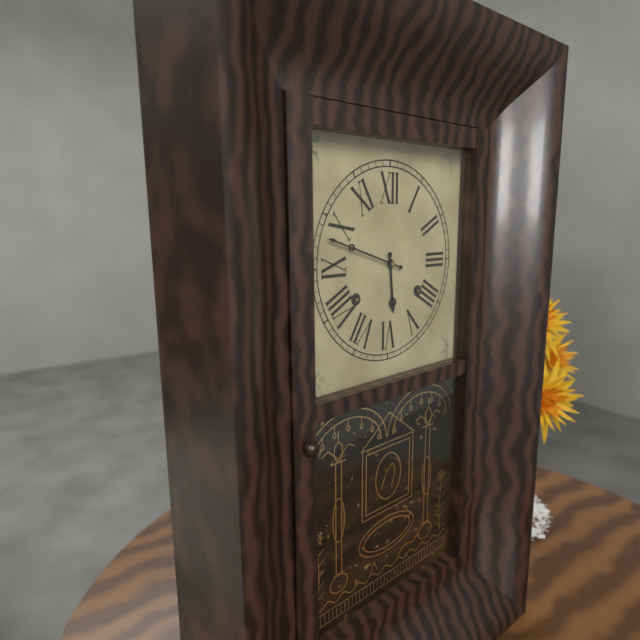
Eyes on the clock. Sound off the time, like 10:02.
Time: 5:48
